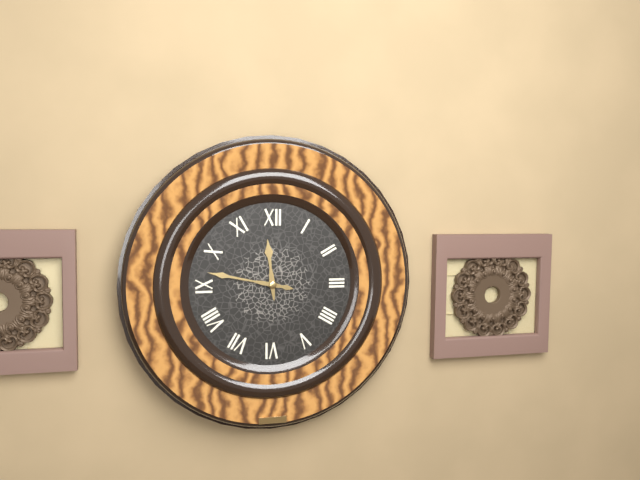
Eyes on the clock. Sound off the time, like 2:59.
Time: 11:47
